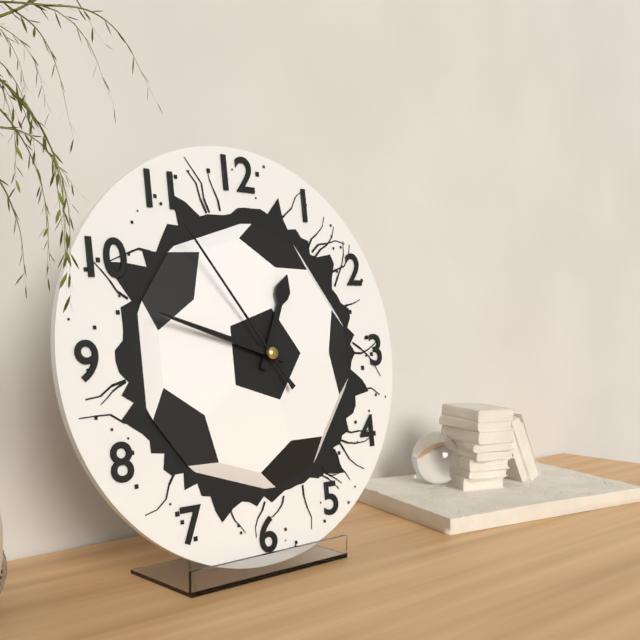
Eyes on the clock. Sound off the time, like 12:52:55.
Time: 12:48:54
